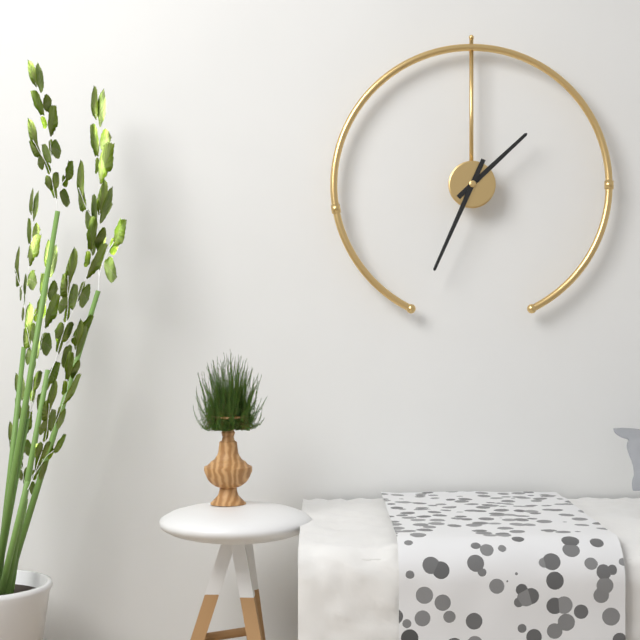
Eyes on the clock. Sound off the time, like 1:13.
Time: 1:34
